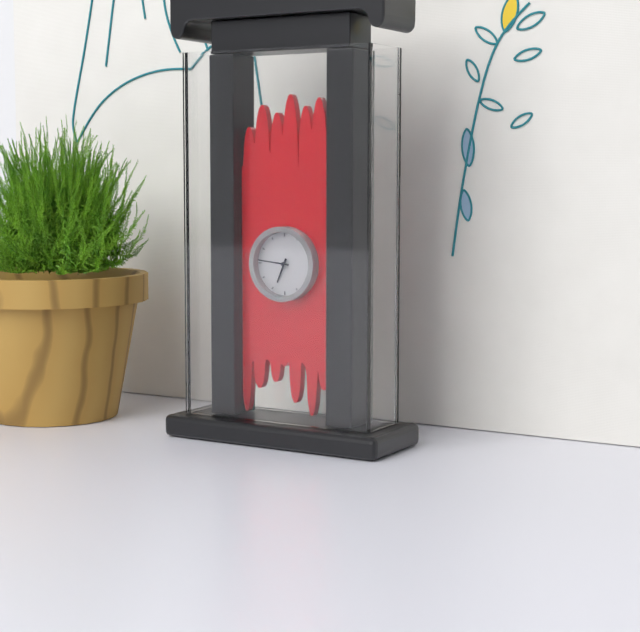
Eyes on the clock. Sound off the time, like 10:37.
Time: 6:46
